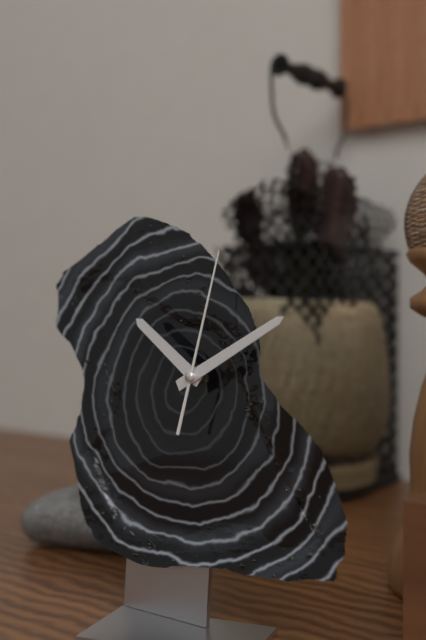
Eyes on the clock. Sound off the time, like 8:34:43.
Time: 10:10:02
